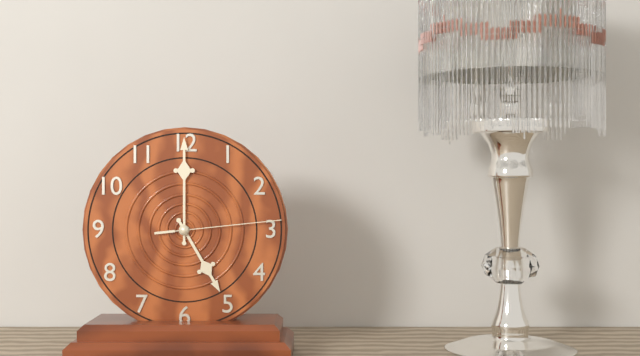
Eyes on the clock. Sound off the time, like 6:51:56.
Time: 5:00:14
